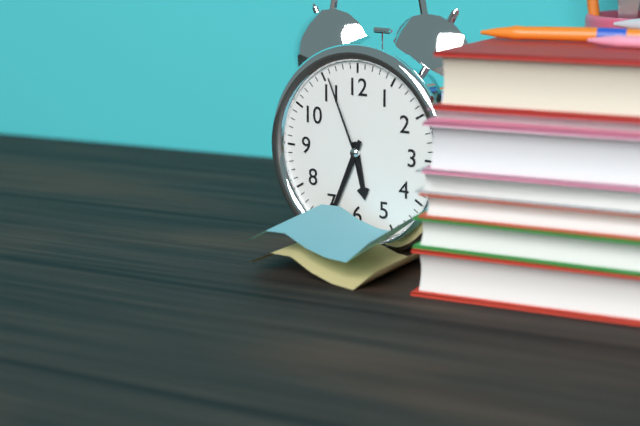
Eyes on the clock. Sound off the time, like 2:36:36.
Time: 5:34:56
